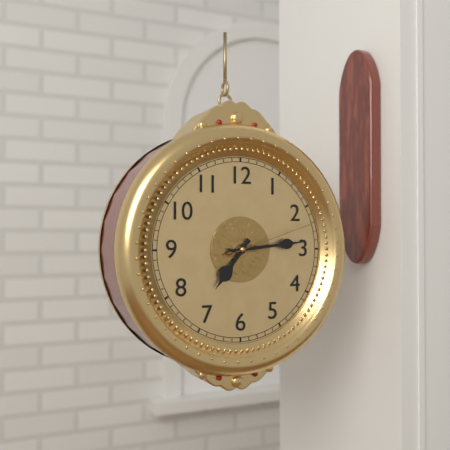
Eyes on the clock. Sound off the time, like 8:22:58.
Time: 7:14:12
